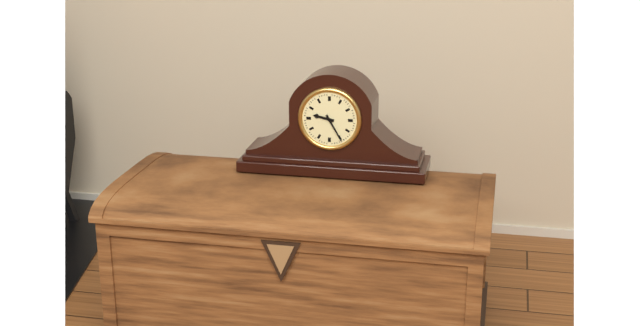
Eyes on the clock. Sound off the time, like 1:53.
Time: 9:25
